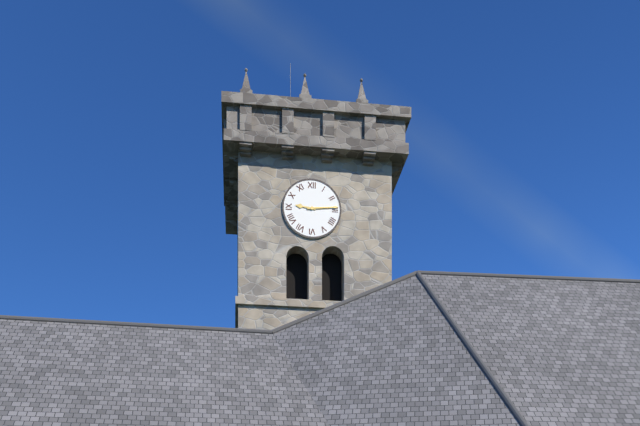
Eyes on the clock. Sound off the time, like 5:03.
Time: 9:14
